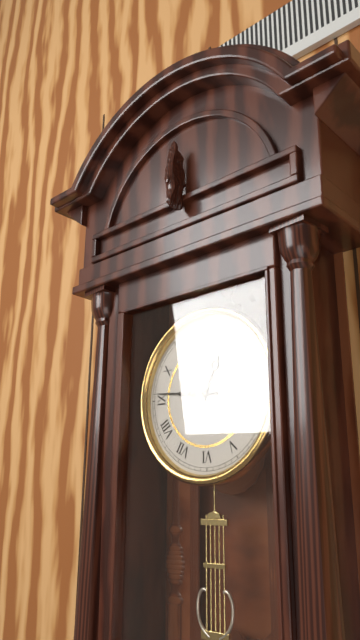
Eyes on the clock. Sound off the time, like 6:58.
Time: 12:46
